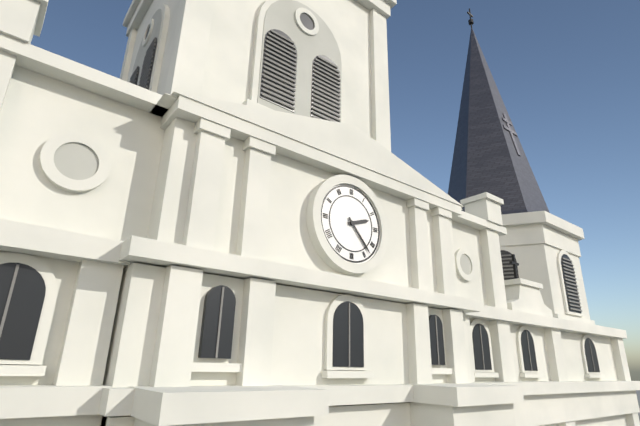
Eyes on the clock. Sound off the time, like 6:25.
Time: 2:23
